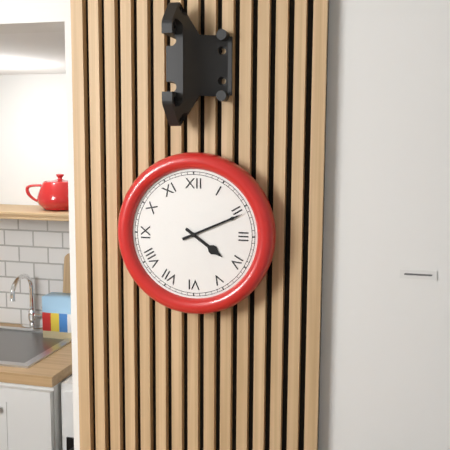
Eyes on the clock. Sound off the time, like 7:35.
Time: 4:11
